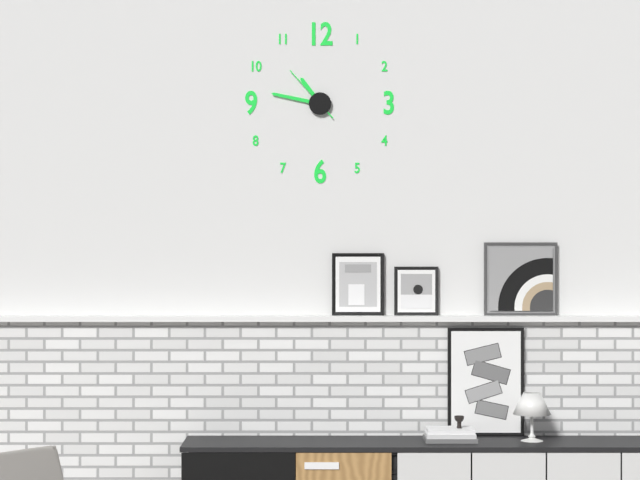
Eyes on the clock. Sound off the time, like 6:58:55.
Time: 10:47:53
